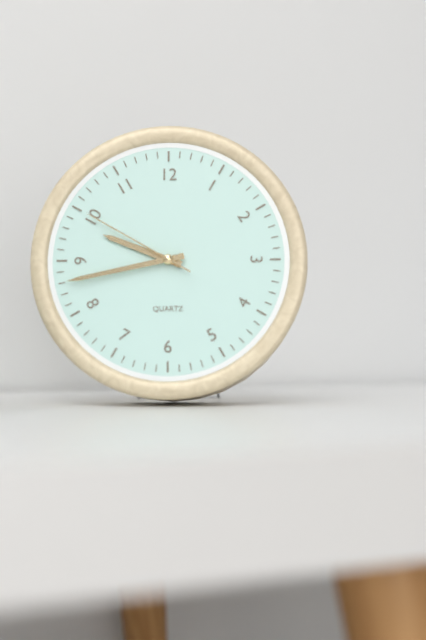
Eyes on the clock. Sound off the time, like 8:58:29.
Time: 9:43:50
